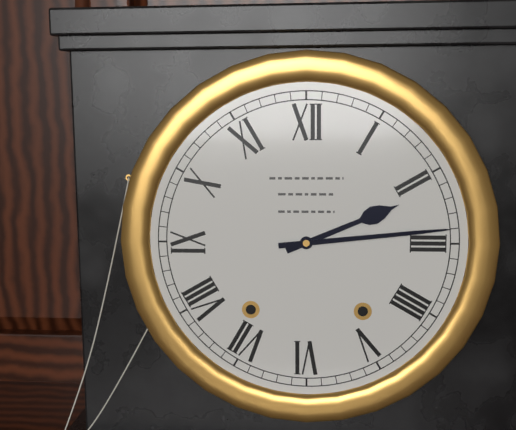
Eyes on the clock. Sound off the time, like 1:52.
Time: 2:14
